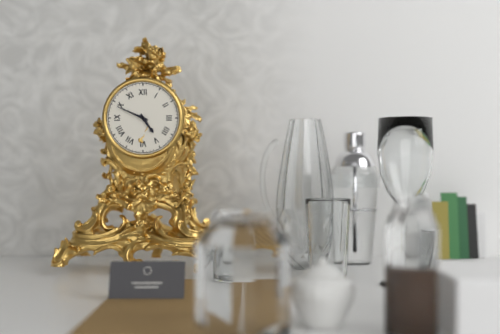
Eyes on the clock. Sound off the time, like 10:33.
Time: 4:49
